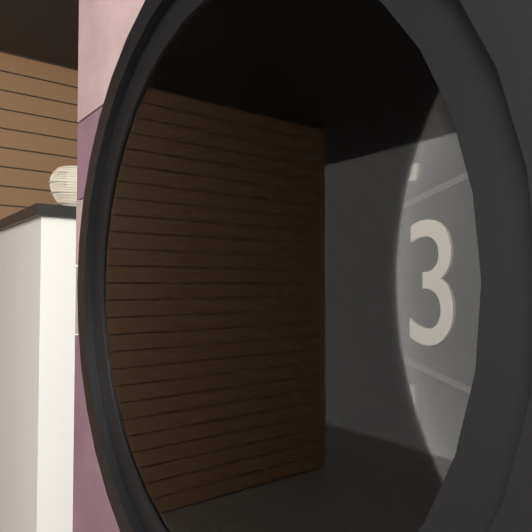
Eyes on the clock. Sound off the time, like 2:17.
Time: 4:55
